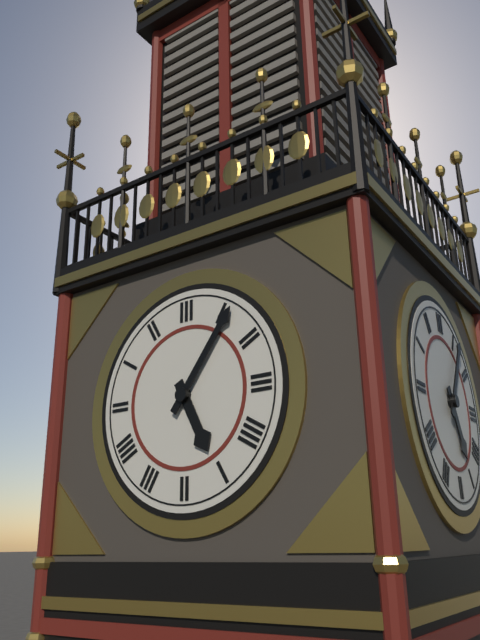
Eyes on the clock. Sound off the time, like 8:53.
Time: 5:06
